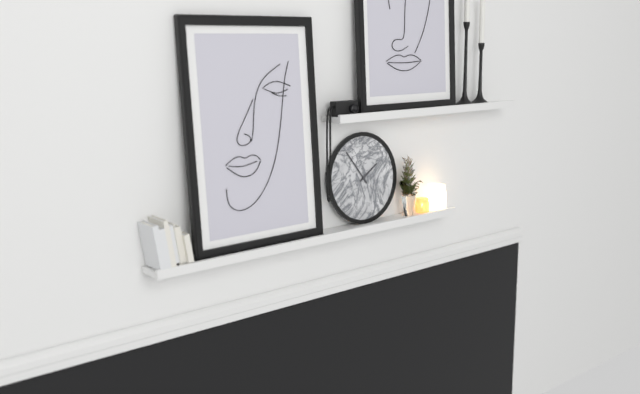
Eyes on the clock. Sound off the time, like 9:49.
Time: 1:54
